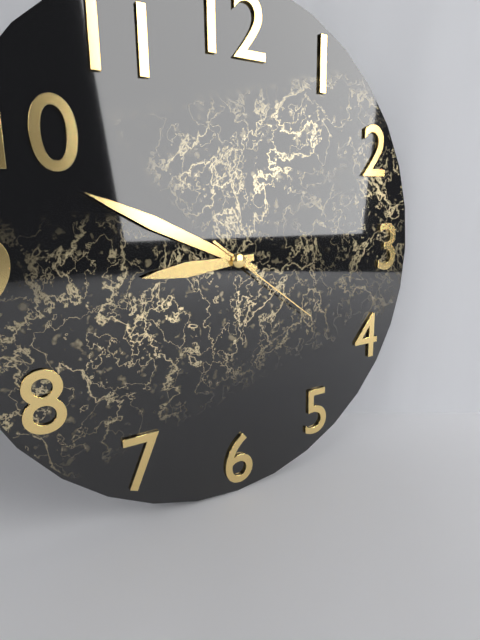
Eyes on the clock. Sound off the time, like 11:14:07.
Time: 8:49:21
